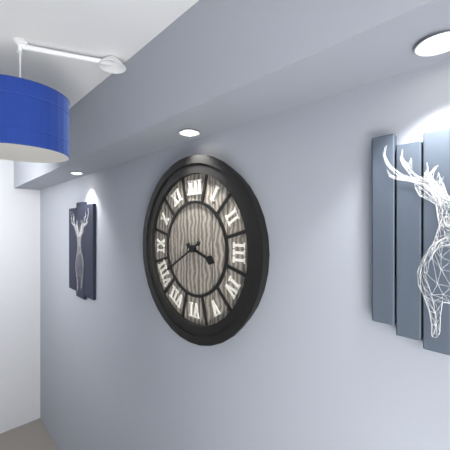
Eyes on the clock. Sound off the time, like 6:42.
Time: 3:40
